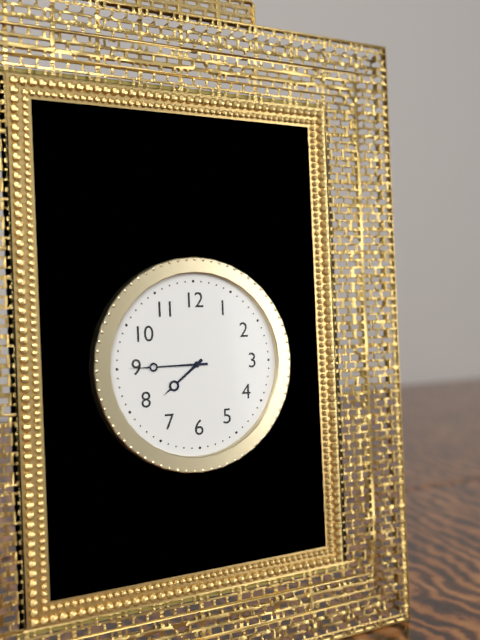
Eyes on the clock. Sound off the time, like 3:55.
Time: 7:45
